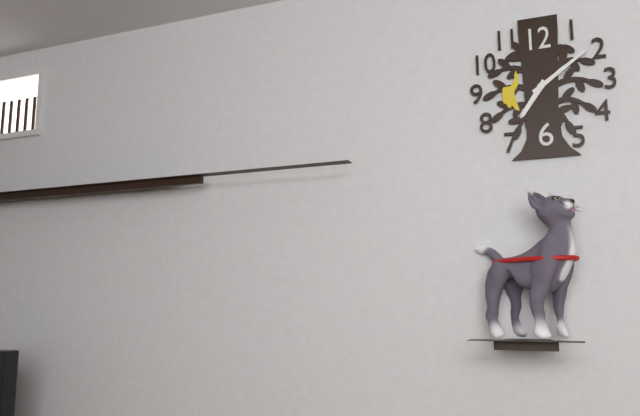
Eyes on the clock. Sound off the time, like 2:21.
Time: 7:09
